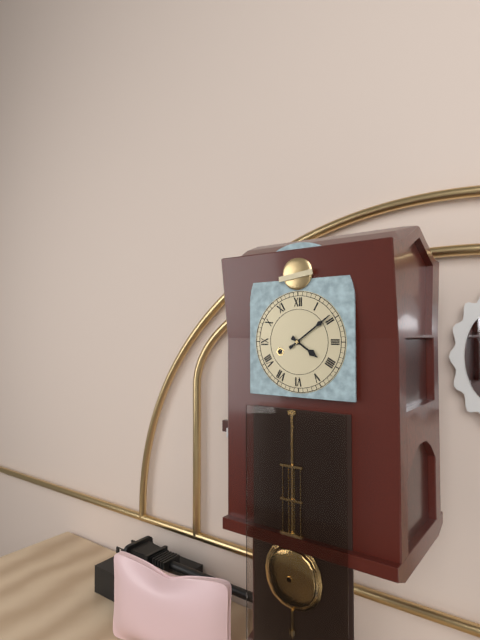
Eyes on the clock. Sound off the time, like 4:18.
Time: 4:09
